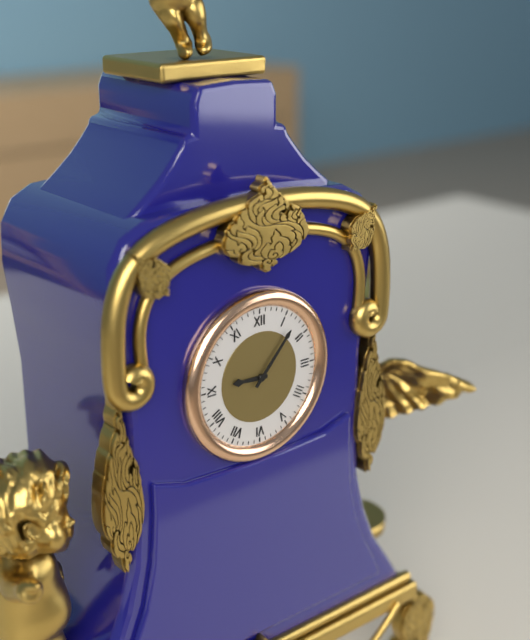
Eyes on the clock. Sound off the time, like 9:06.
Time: 9:07
